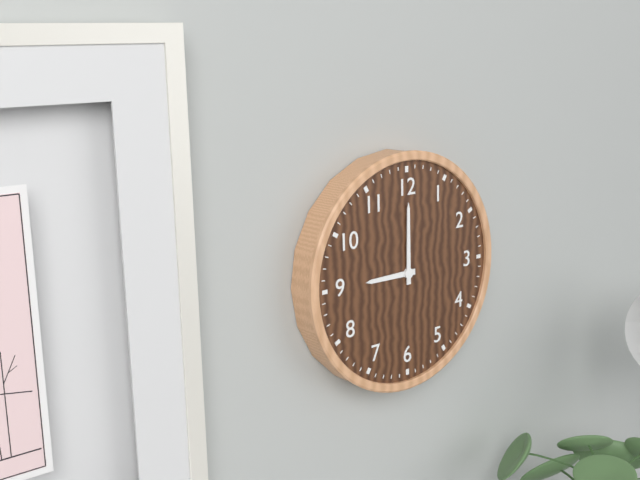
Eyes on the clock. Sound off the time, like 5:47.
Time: 9:00
